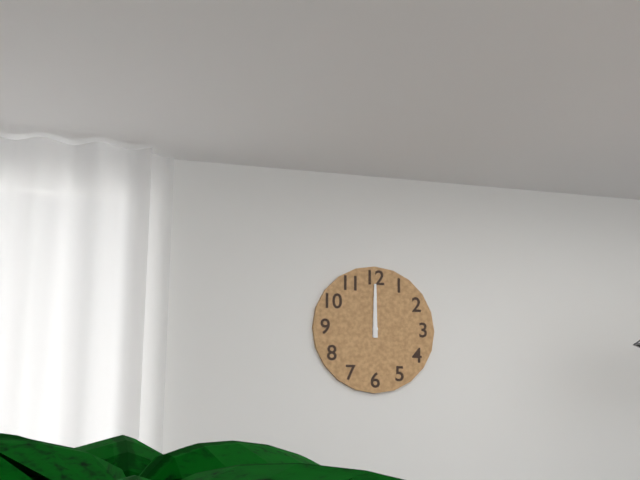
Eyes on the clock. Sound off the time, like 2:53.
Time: 12:00
